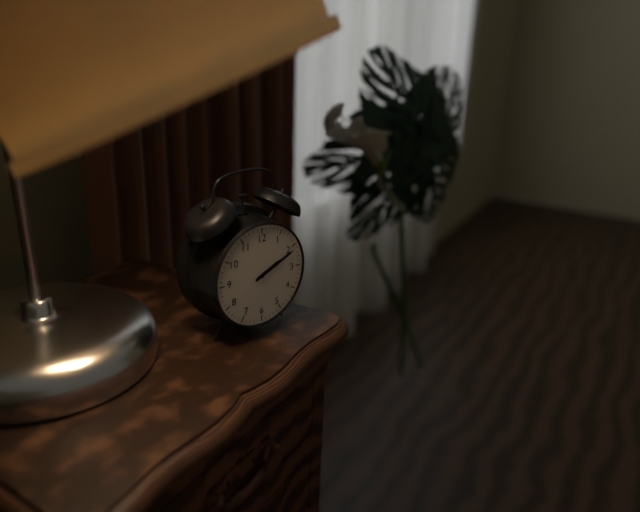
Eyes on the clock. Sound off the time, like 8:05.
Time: 2:11
